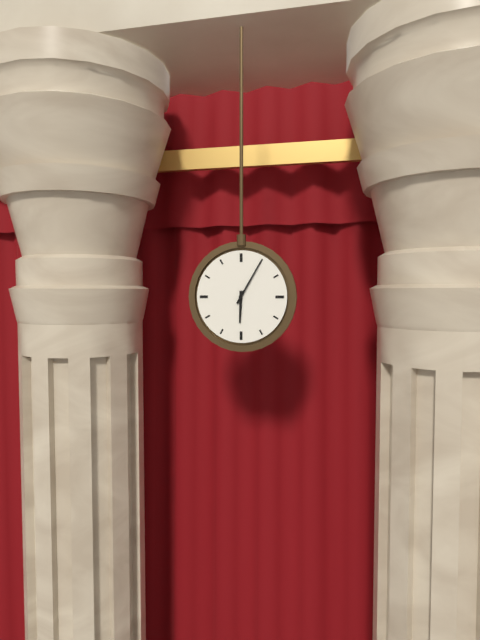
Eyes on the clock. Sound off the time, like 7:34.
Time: 6:05
